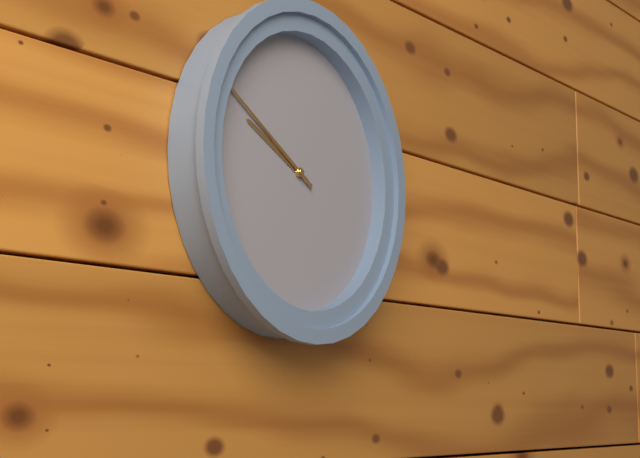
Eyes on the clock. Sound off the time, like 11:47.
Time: 9:50
